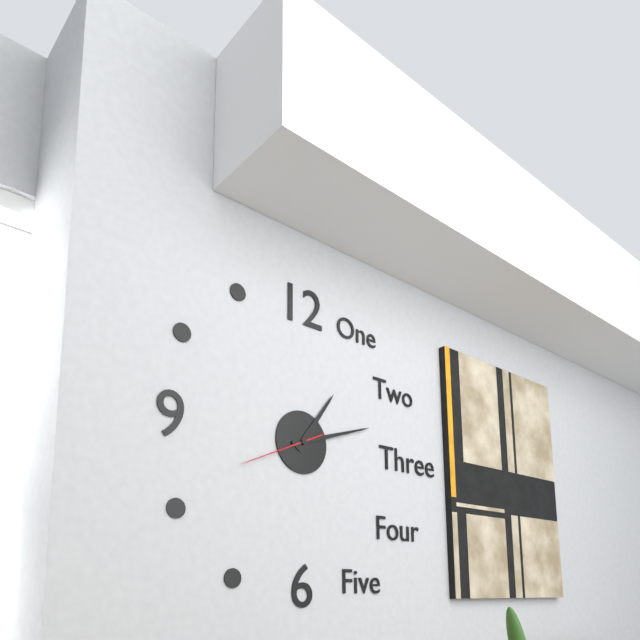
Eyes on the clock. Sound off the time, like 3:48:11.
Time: 1:12:41
